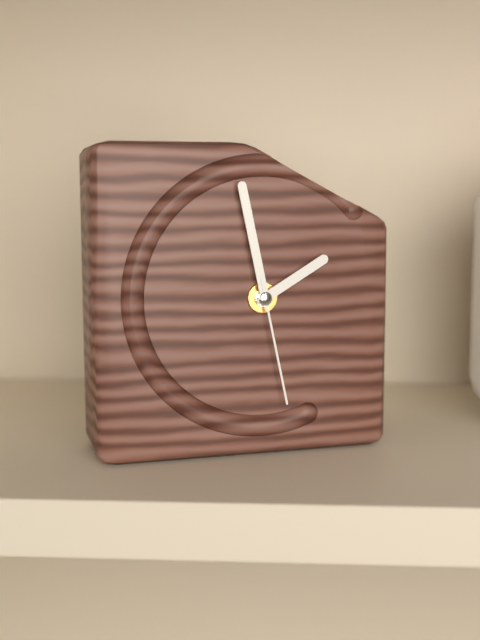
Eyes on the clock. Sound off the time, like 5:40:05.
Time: 1:58:28
